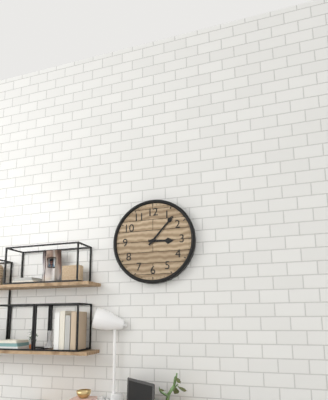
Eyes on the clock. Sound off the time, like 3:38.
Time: 3:07
